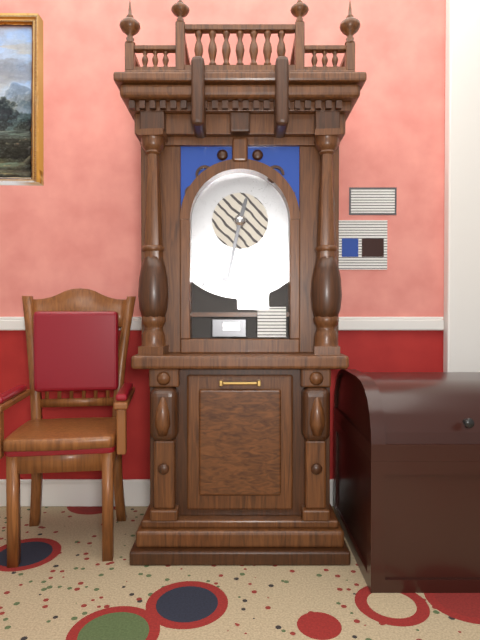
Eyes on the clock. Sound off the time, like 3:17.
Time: 12:32
